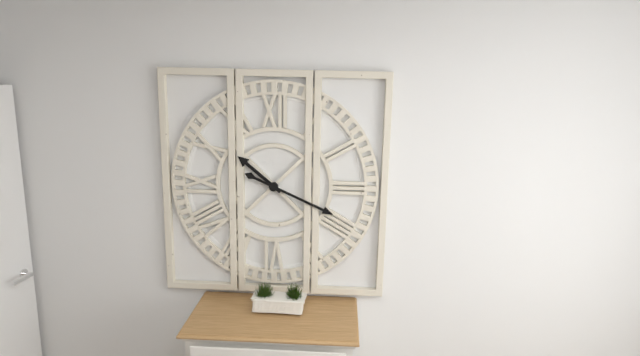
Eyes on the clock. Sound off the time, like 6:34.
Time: 10:19
